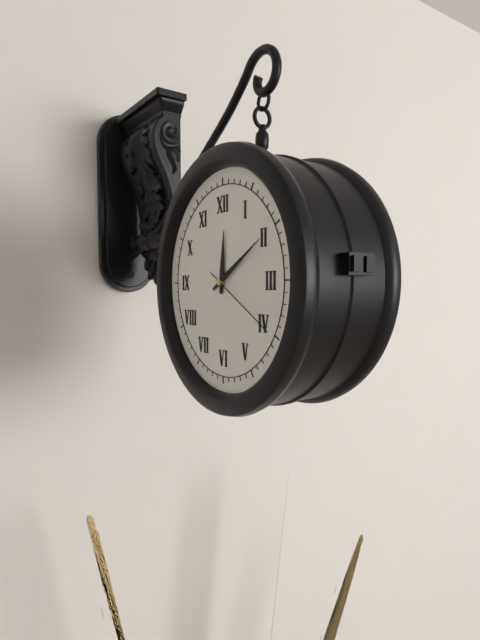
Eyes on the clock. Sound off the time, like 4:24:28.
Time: 12:10:20
